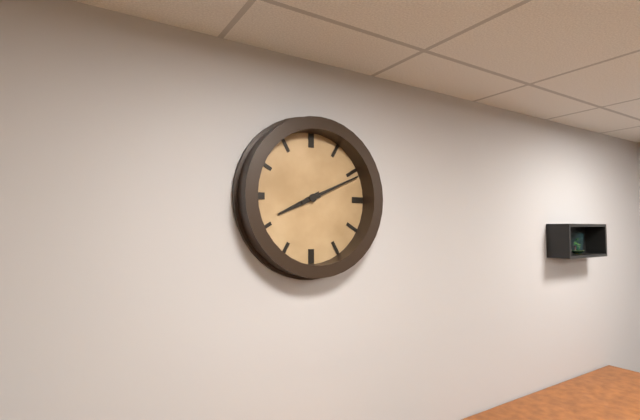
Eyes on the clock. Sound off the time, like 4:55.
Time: 8:11
